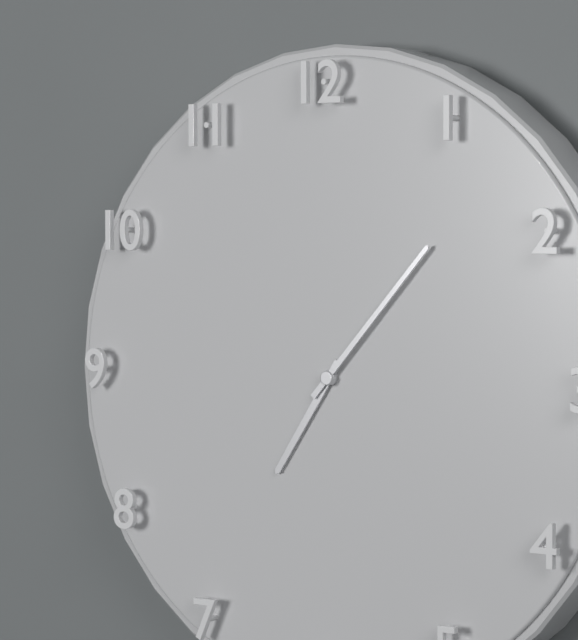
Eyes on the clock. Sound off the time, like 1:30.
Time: 7:07
